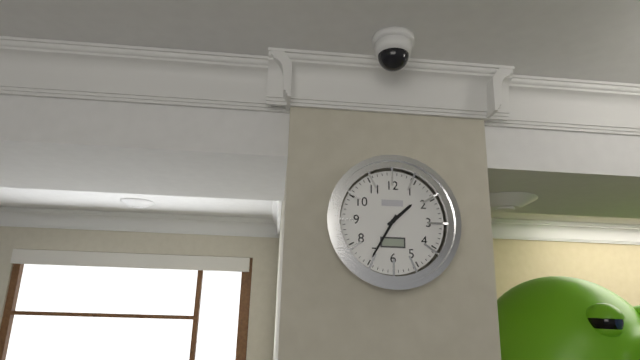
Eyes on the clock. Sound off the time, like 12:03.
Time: 1:35
